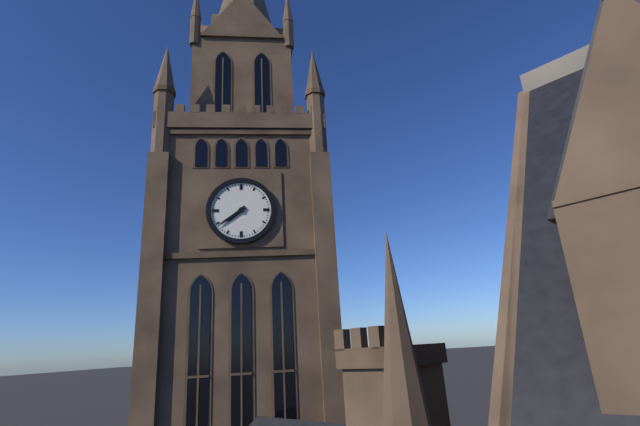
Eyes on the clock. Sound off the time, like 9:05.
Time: 7:39
